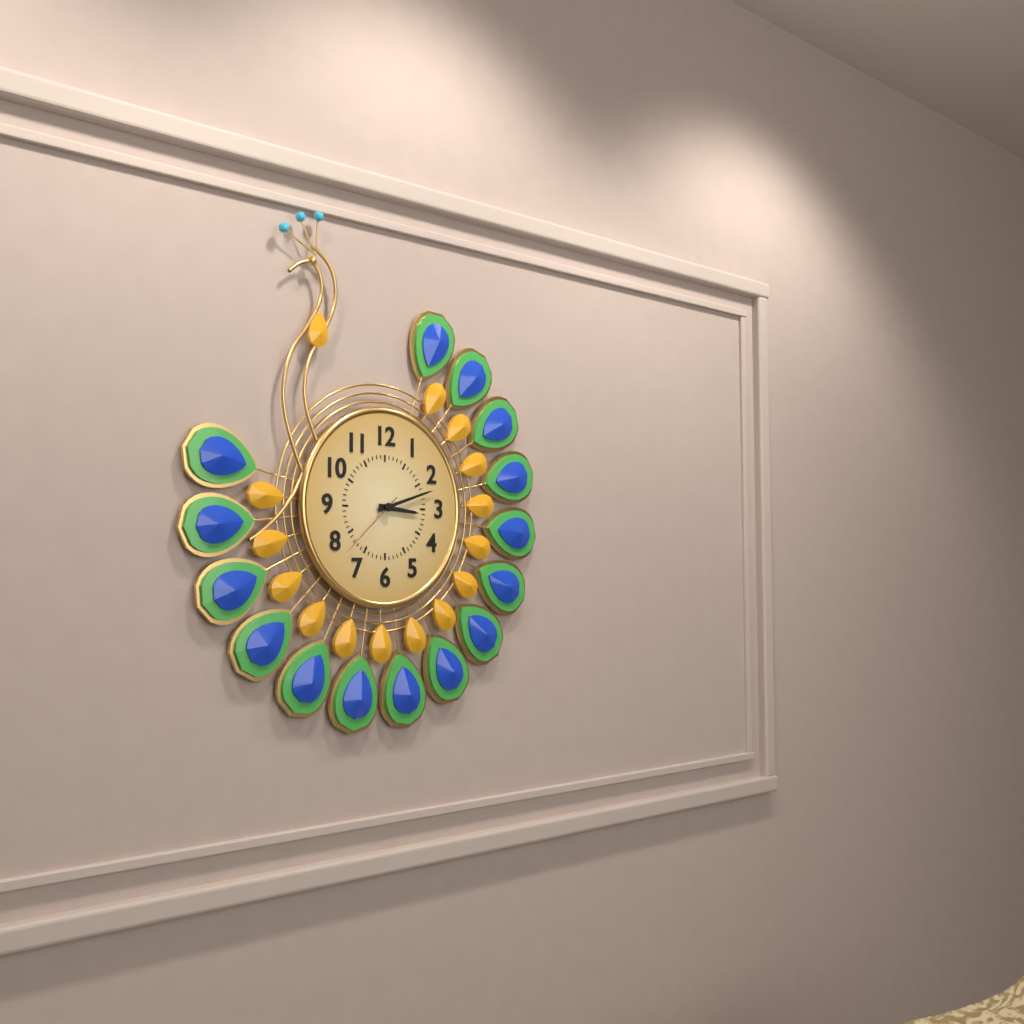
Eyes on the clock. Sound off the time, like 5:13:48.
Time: 3:12:38
